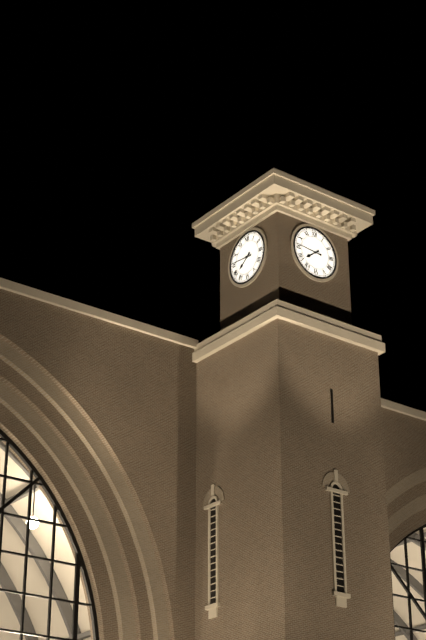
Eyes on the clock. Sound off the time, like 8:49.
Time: 7:46
